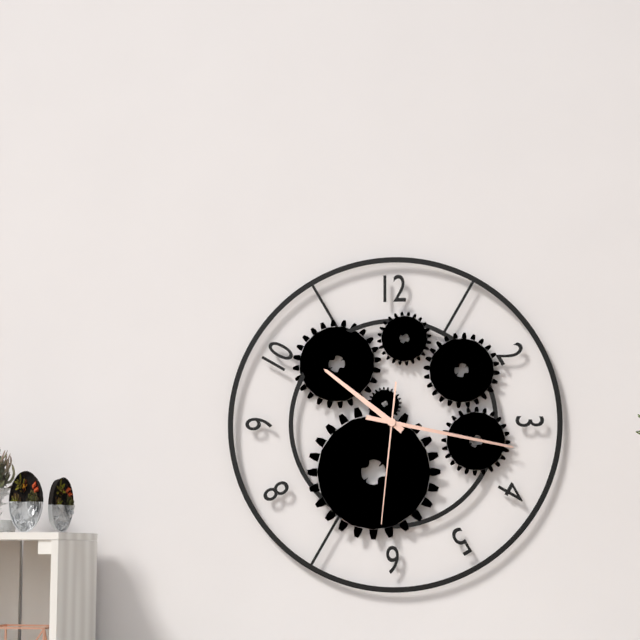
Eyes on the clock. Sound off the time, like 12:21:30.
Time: 10:17:31
